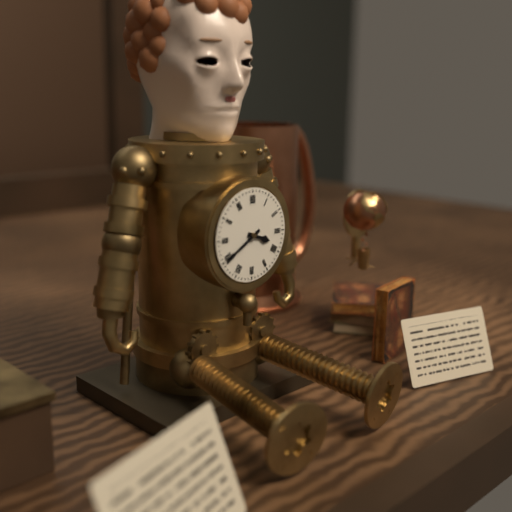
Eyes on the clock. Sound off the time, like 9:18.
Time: 3:40
